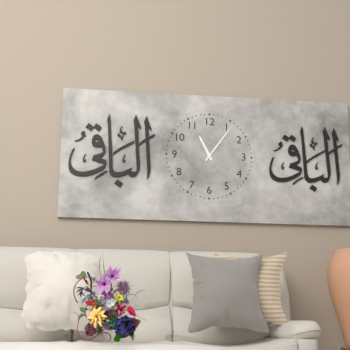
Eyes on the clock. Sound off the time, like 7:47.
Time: 11:06
